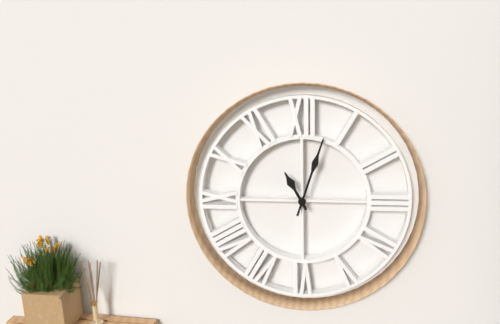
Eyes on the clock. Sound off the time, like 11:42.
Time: 11:03
